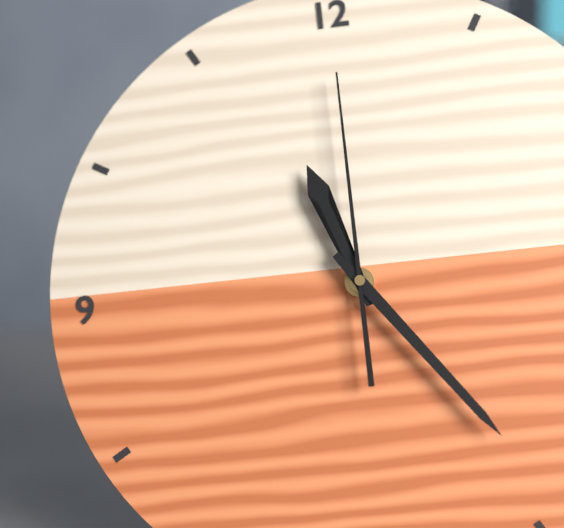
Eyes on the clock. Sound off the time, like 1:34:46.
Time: 11:24:00
